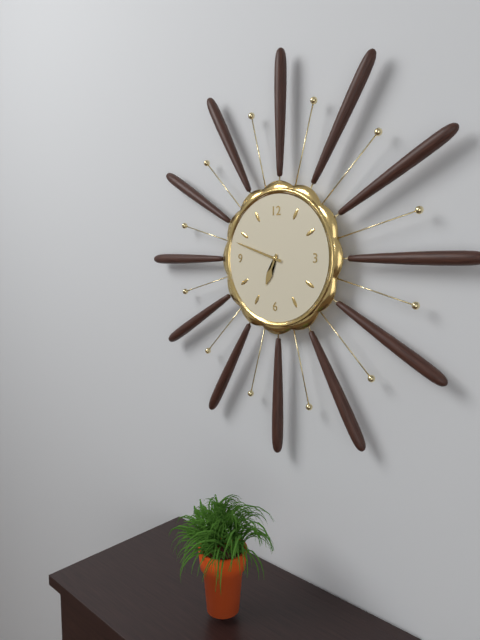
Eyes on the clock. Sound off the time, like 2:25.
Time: 6:48
